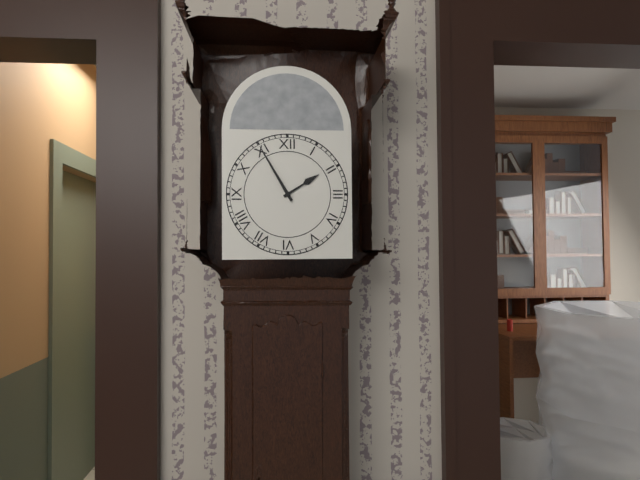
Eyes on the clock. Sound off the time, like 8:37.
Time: 1:55
